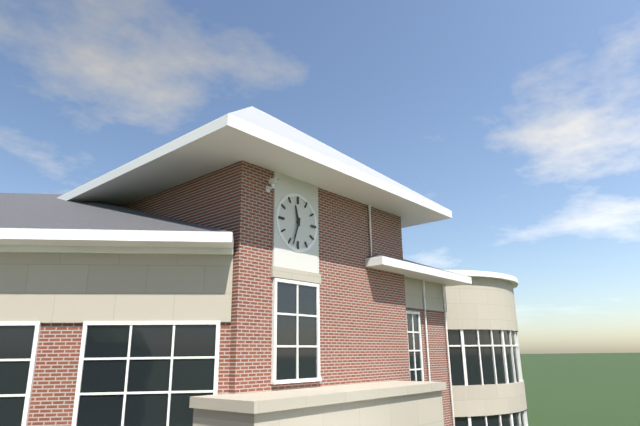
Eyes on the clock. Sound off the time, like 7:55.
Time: 11:33
